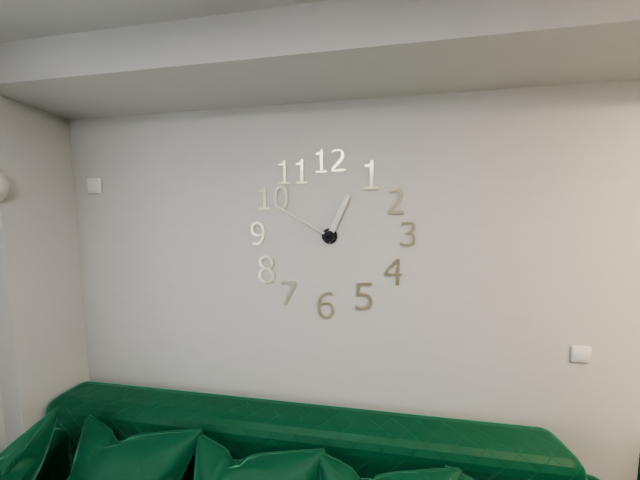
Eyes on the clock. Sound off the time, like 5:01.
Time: 12:50
